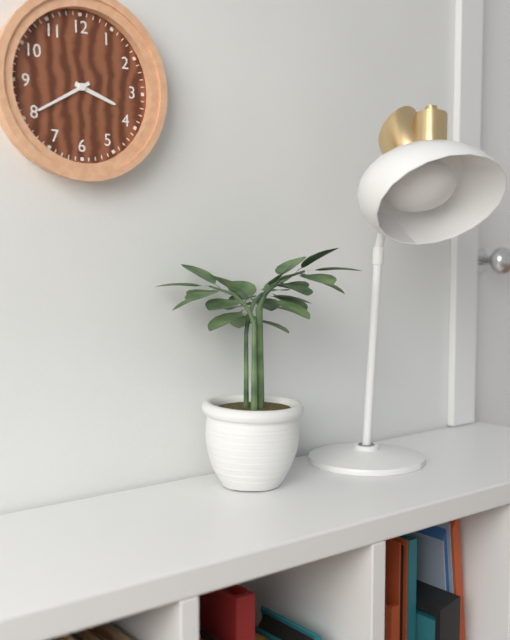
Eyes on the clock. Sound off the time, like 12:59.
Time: 3:40
